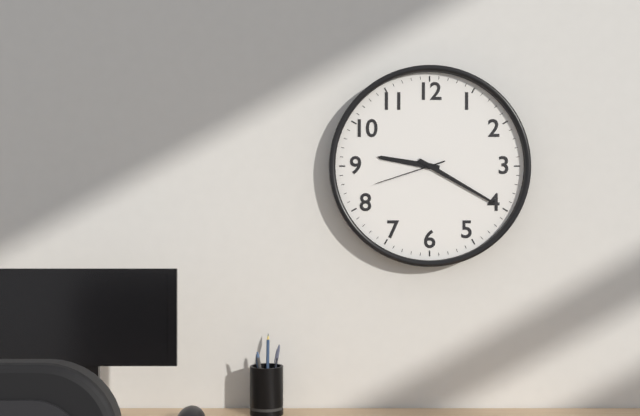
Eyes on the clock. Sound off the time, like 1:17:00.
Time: 9:20:42
